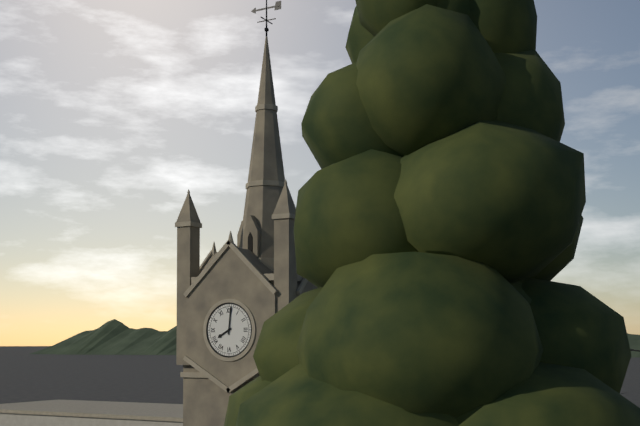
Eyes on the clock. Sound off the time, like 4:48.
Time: 8:01
